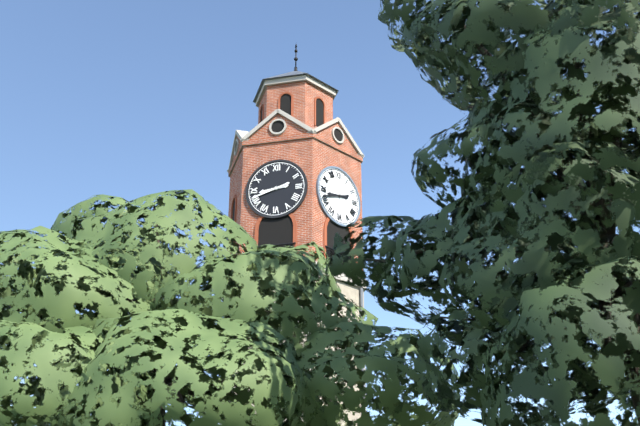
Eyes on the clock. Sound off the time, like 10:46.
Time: 8:42
